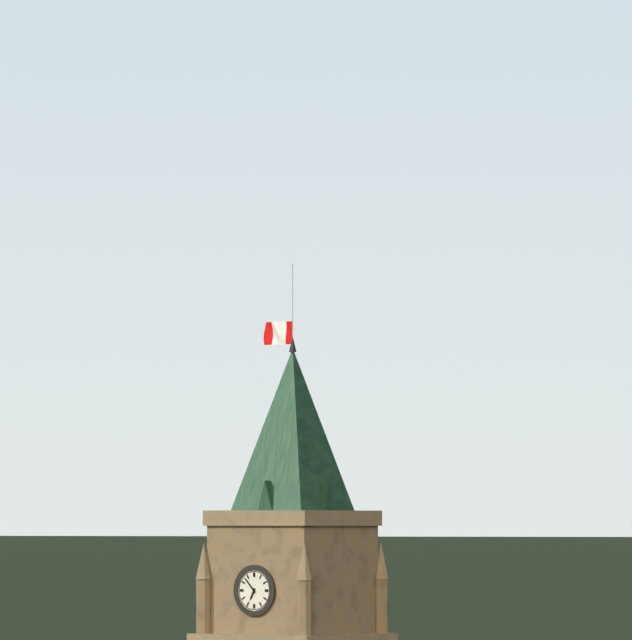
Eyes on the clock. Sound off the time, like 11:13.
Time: 6:53
